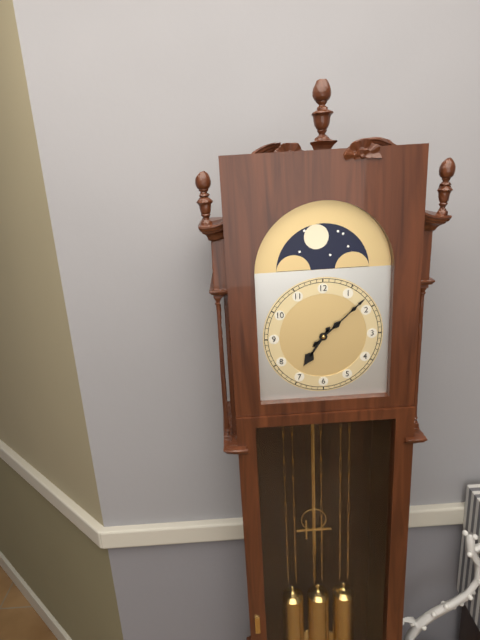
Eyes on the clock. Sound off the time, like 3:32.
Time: 7:08
